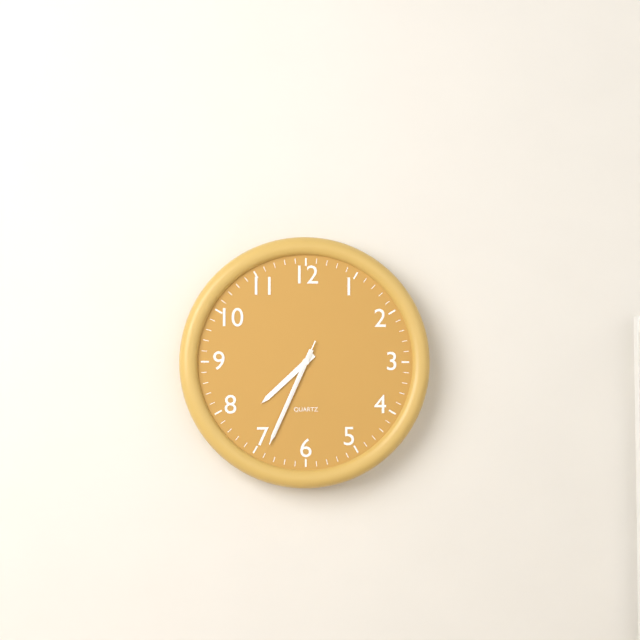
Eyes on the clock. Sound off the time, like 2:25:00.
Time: 7:34:34
